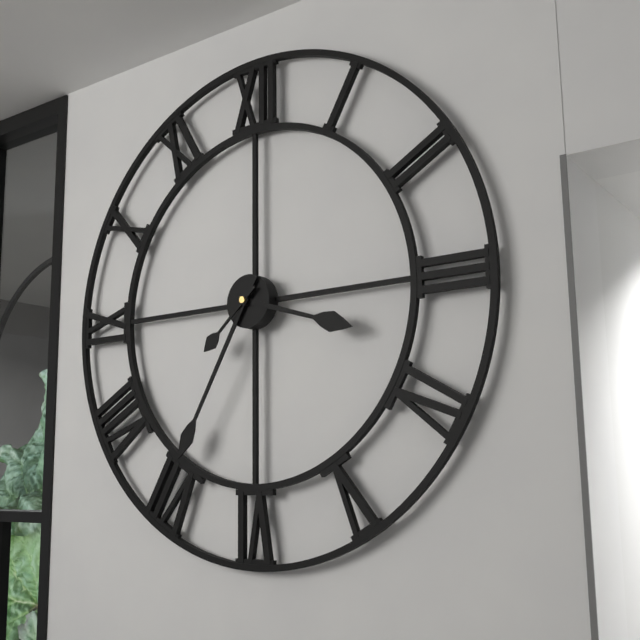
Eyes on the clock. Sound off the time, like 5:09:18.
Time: 3:35:38
